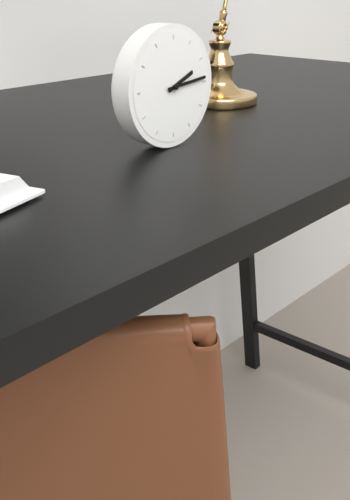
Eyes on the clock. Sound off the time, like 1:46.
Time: 2:14
